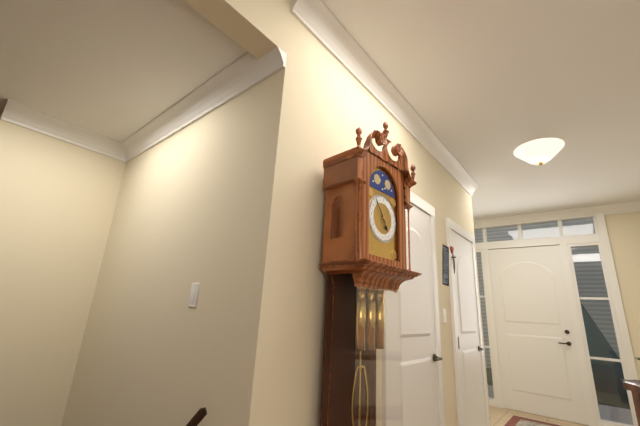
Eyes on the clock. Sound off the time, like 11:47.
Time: 4:54
